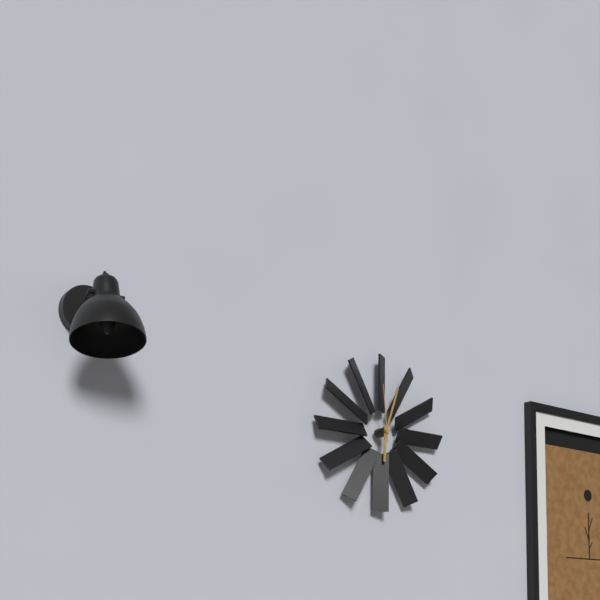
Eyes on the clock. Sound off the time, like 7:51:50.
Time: 6:03:59
